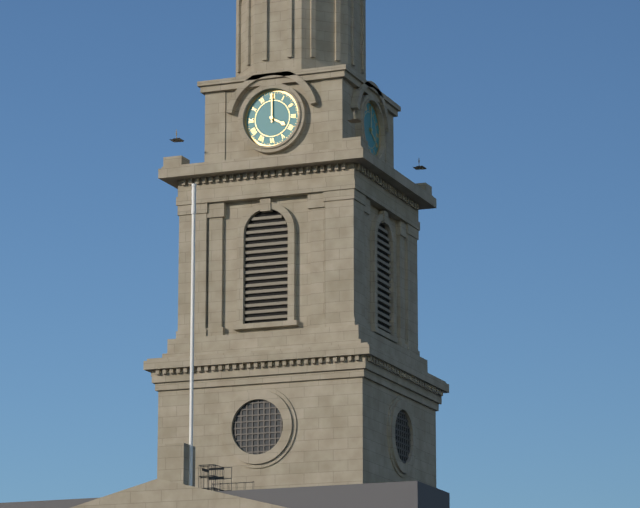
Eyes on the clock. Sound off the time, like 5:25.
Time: 4:00
